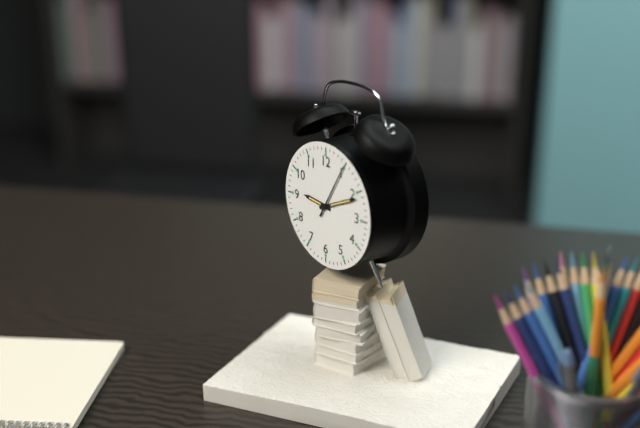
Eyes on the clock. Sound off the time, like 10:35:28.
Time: 9:11:05
